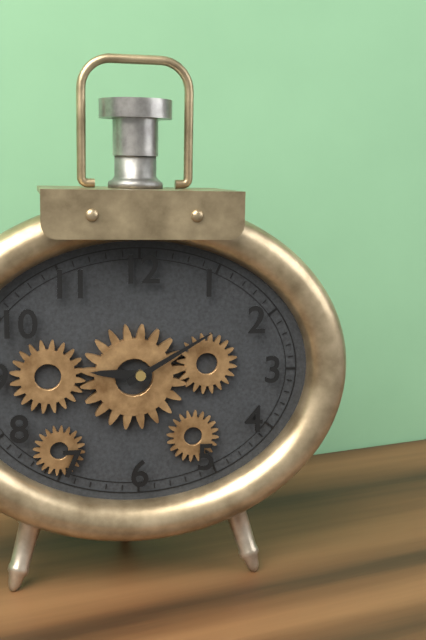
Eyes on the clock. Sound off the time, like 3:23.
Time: 9:10
